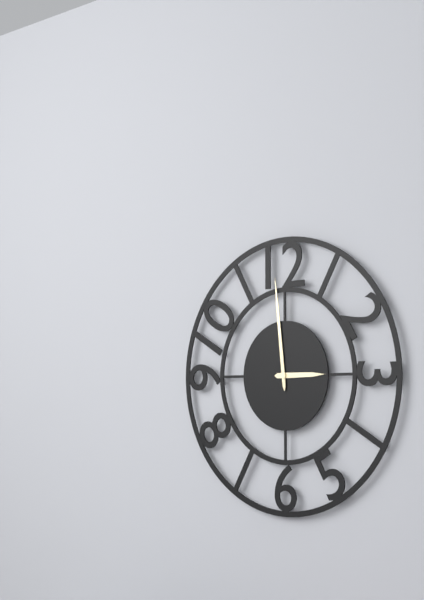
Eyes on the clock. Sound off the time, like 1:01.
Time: 2:59
